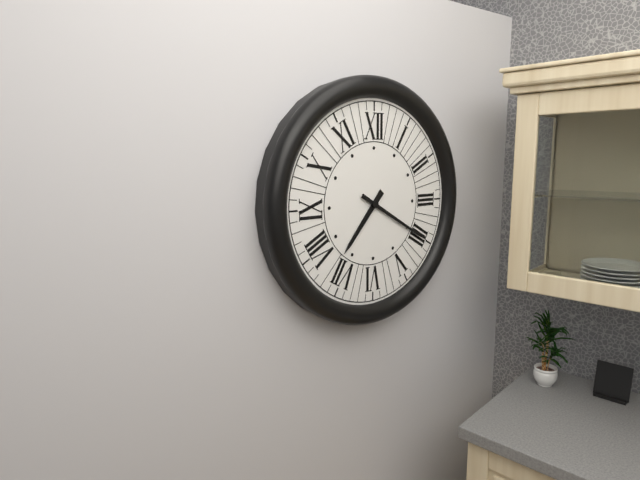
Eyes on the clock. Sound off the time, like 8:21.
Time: 7:20
